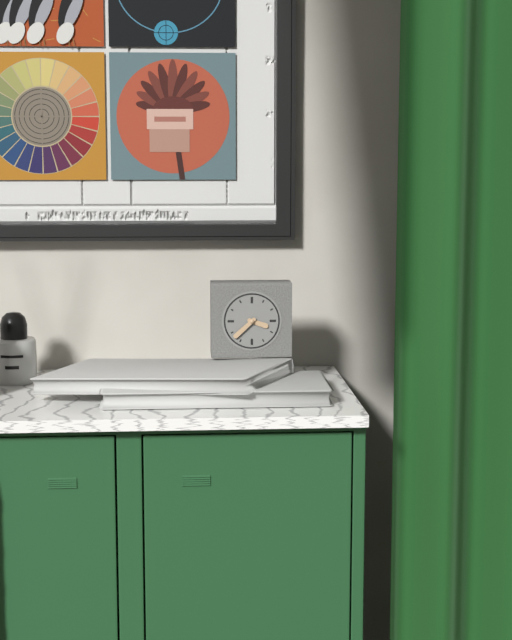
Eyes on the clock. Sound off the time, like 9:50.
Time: 3:38
